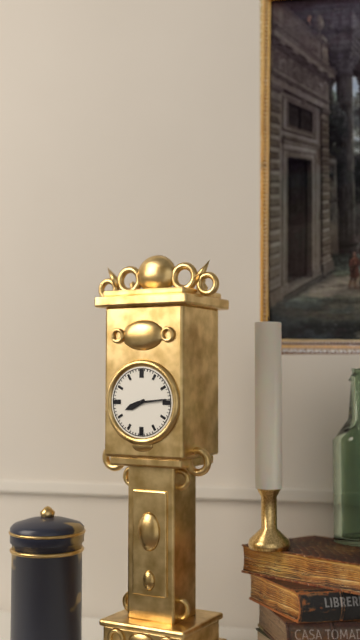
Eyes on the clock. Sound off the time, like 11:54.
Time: 8:14
